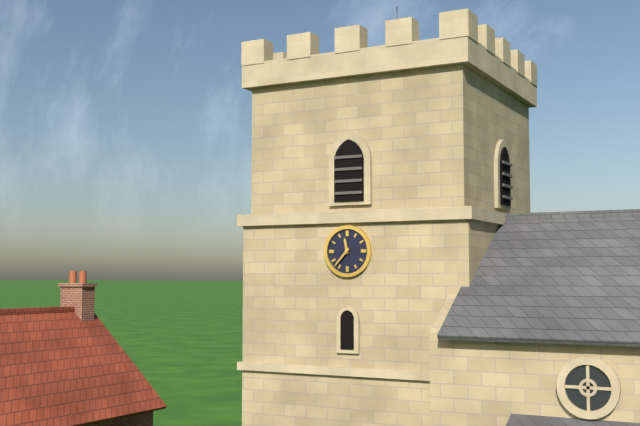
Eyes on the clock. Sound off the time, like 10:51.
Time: 11:37
